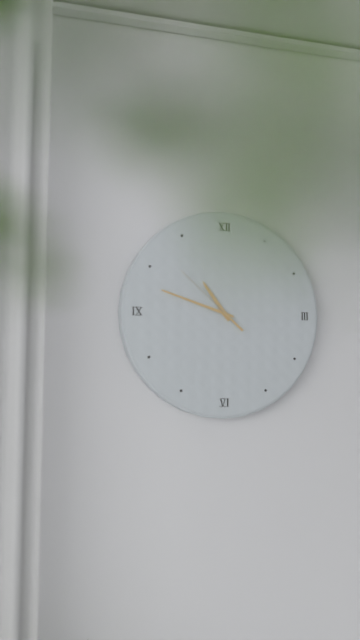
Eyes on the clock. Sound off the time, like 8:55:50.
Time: 10:48:52
